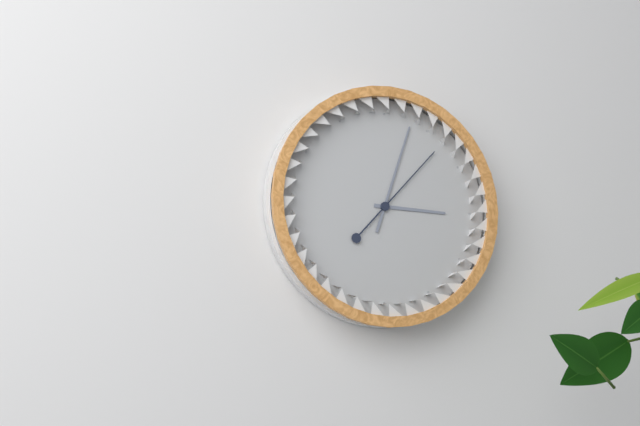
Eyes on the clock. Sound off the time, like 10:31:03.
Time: 3:03:07
